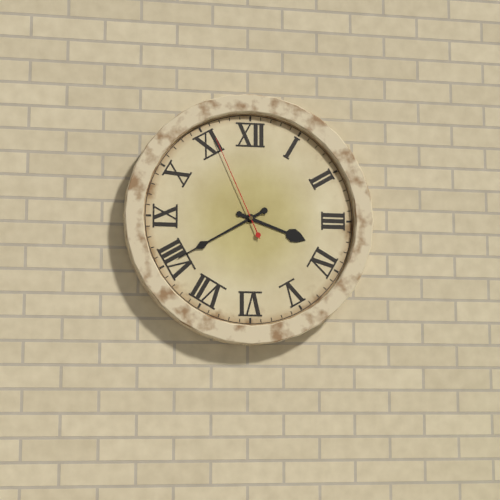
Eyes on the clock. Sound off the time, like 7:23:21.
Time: 3:40:56
